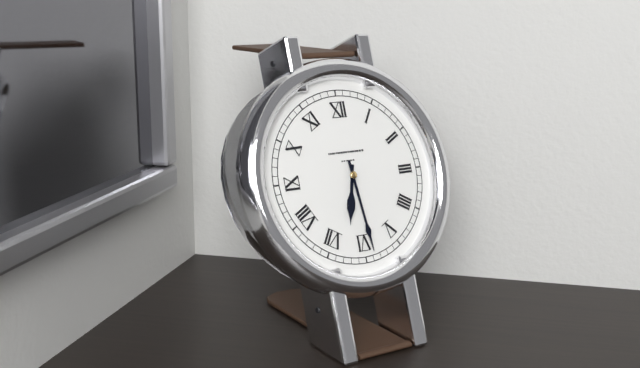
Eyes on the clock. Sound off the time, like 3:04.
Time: 6:29
